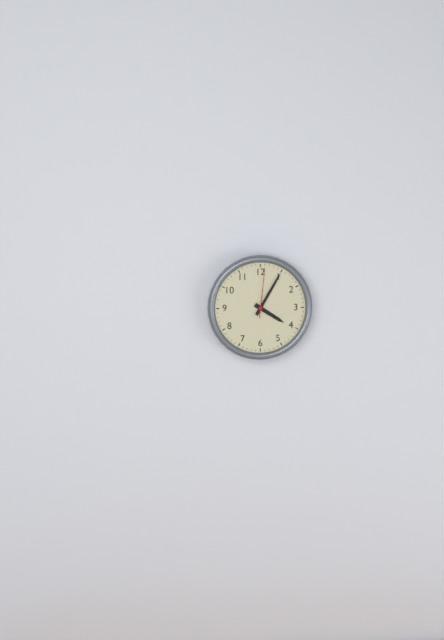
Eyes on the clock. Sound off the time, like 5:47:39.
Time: 4:05:01
